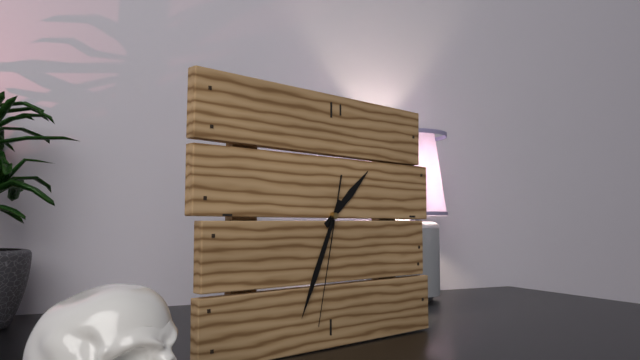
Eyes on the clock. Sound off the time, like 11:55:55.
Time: 1:34:32
